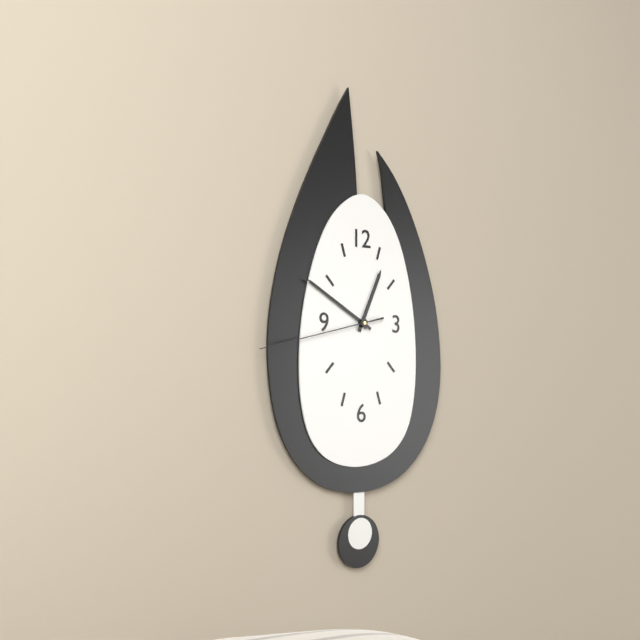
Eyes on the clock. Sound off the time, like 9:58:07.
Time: 12:50:43
